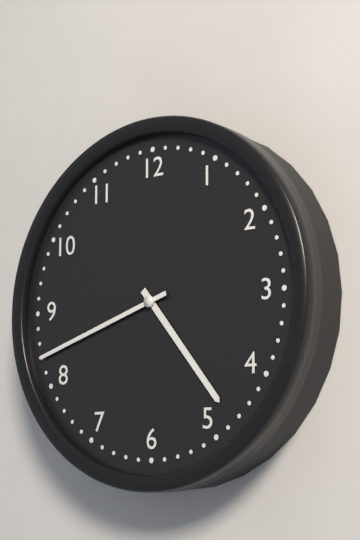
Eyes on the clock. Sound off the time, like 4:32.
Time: 4:42
